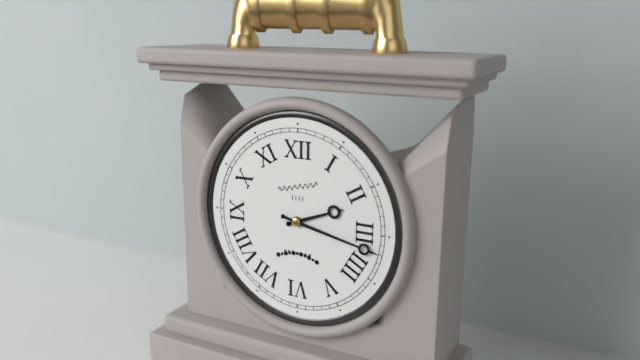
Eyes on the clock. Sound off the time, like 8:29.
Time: 2:17
